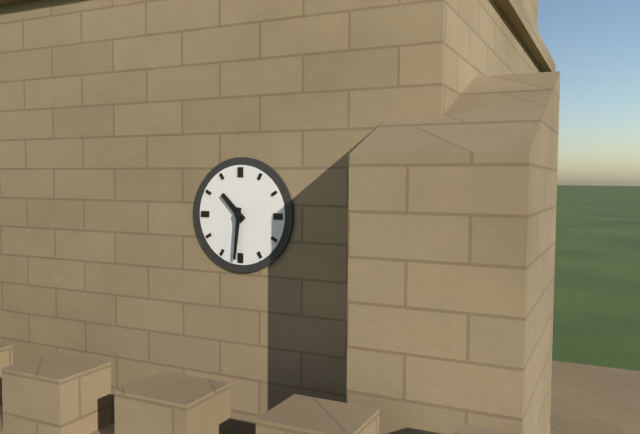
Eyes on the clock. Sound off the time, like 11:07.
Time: 10:31
